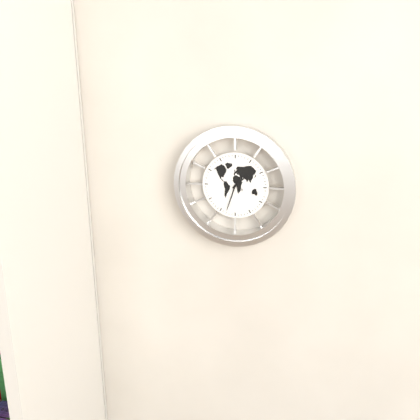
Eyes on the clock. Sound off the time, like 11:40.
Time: 1:33
